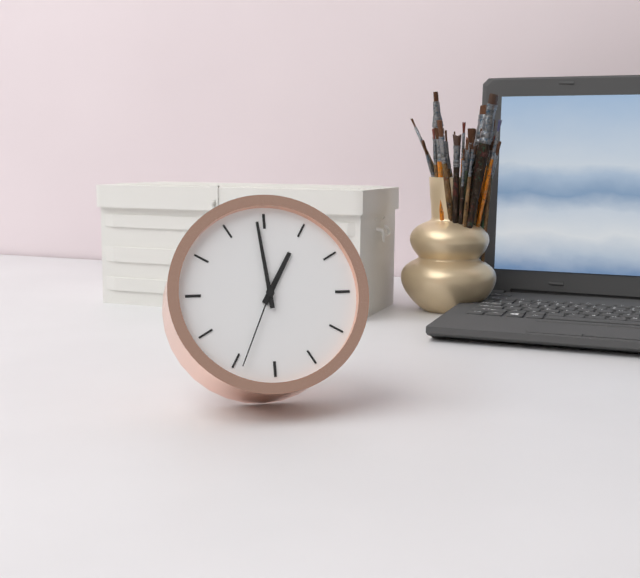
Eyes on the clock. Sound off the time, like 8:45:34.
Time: 12:59:34
